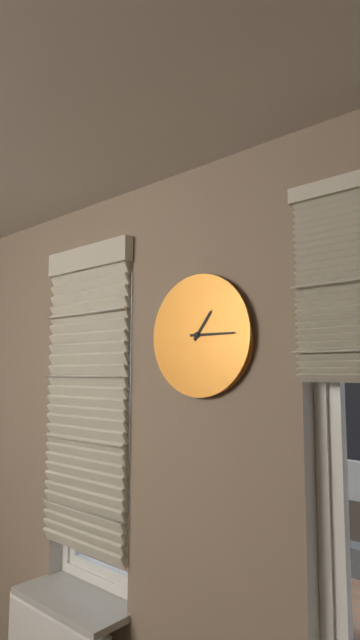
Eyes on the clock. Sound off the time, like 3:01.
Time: 1:15
